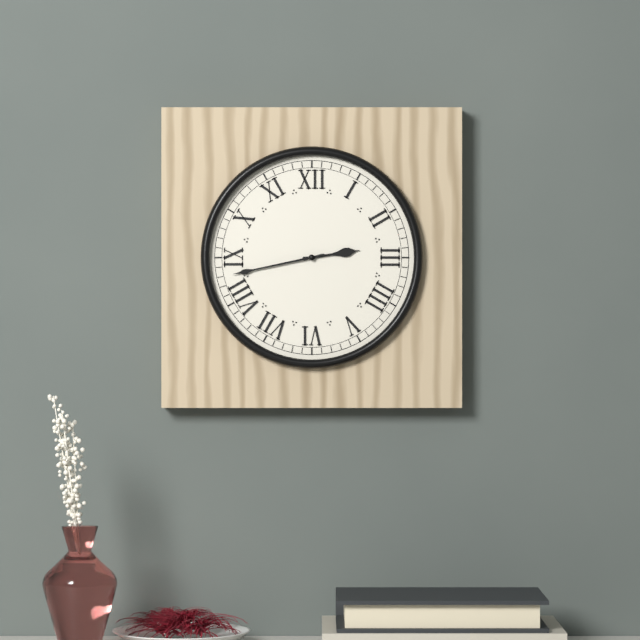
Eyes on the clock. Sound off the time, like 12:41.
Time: 2:43
